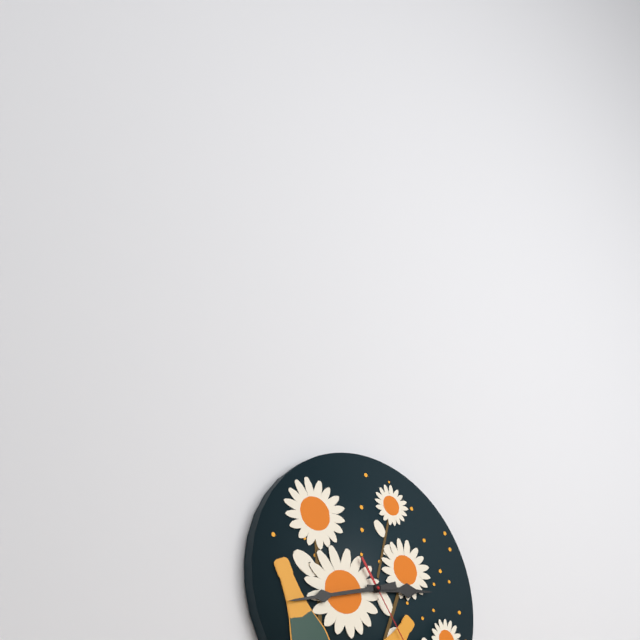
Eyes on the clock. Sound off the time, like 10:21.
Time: 2:42
